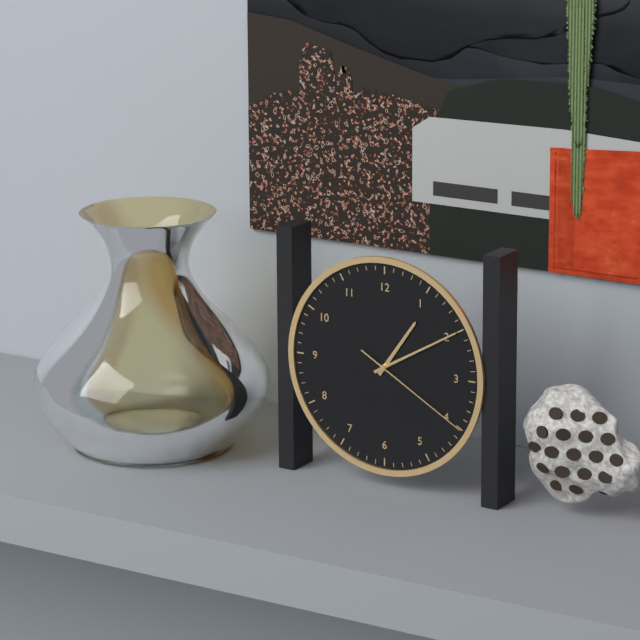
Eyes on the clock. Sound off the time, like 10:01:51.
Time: 1:10:20
